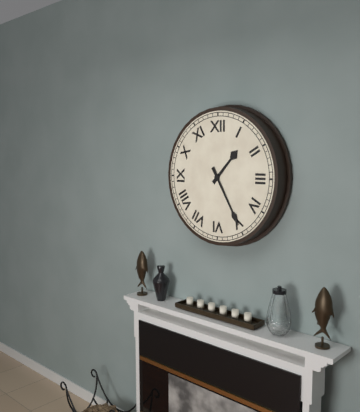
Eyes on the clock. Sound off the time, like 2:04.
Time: 1:25
